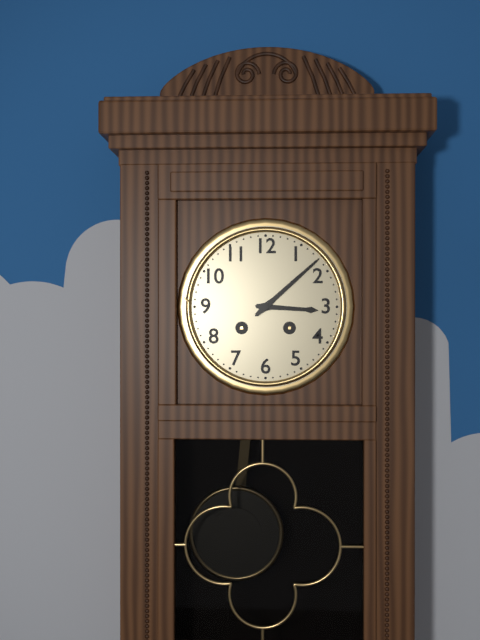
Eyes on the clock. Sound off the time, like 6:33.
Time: 3:08
